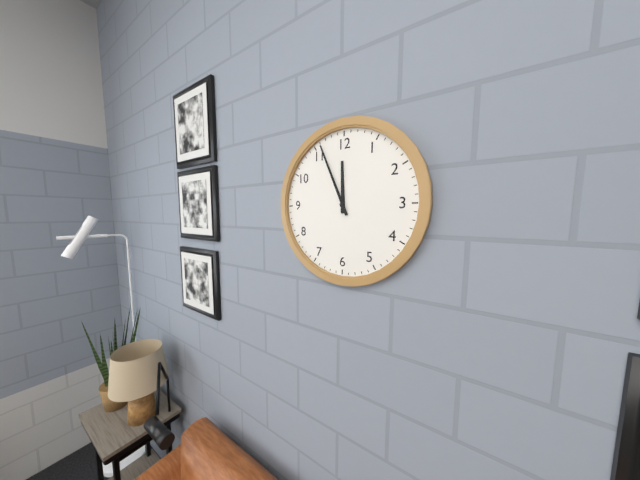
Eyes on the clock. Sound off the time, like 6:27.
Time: 11:56
